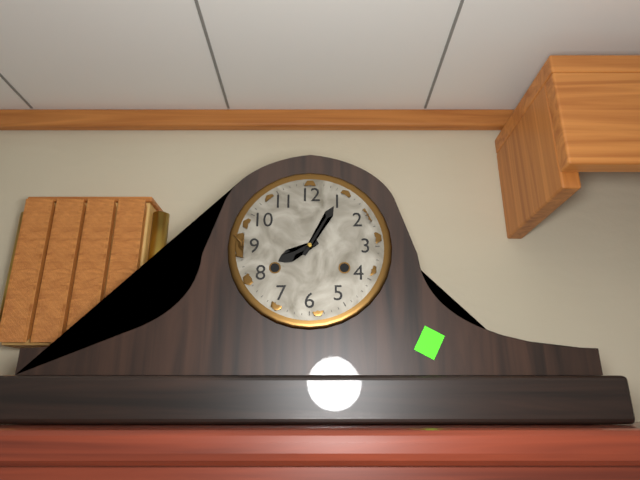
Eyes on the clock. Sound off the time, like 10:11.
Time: 8:05
